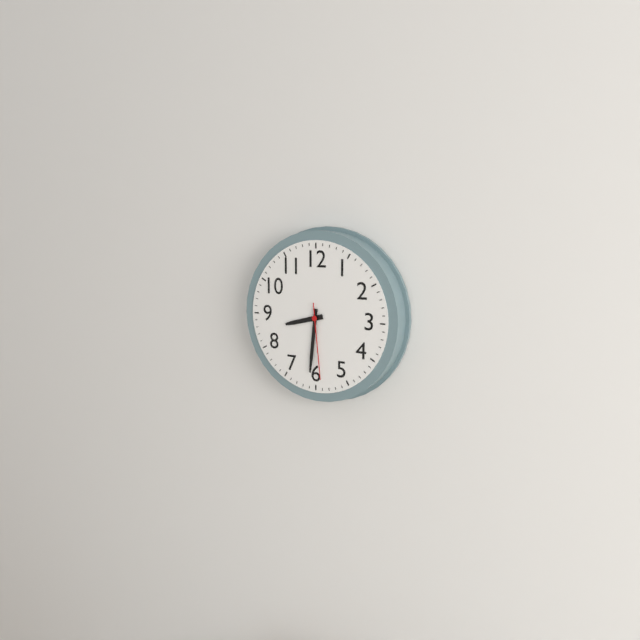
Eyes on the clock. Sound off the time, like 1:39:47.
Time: 8:31:29
